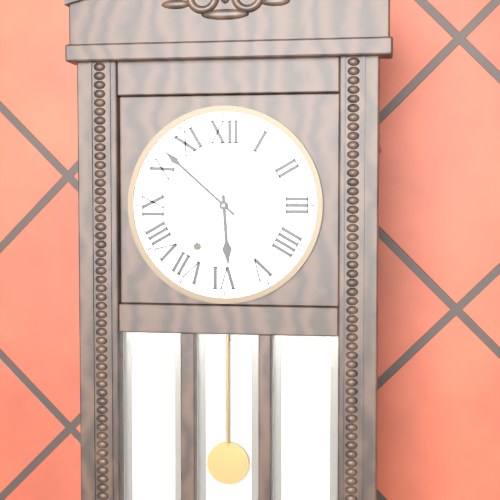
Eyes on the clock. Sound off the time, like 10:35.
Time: 5:52
